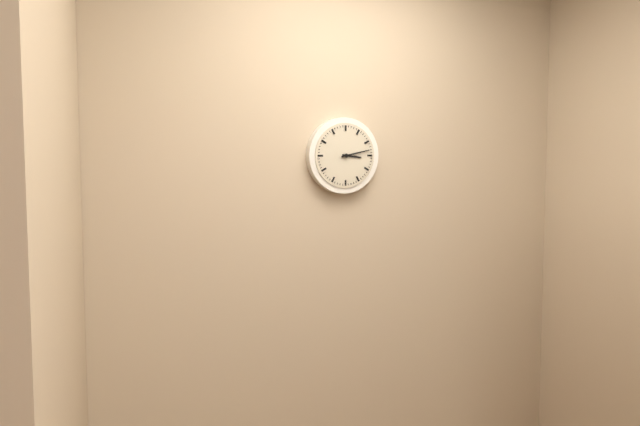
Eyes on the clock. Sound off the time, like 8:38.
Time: 3:13
